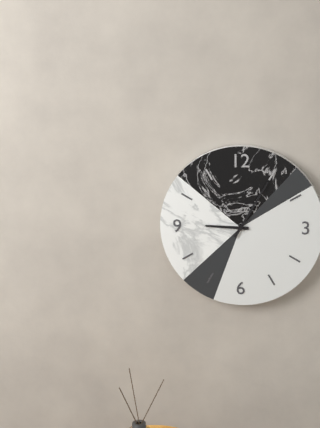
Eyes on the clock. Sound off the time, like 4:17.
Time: 9:05
